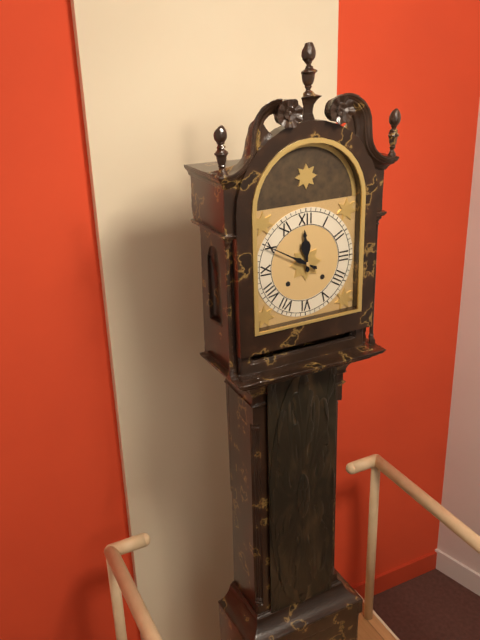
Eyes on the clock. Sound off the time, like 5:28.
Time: 11:50
